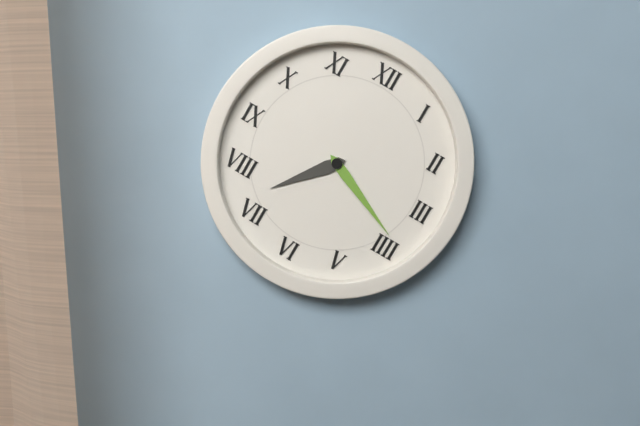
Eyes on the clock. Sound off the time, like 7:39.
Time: 7:19
